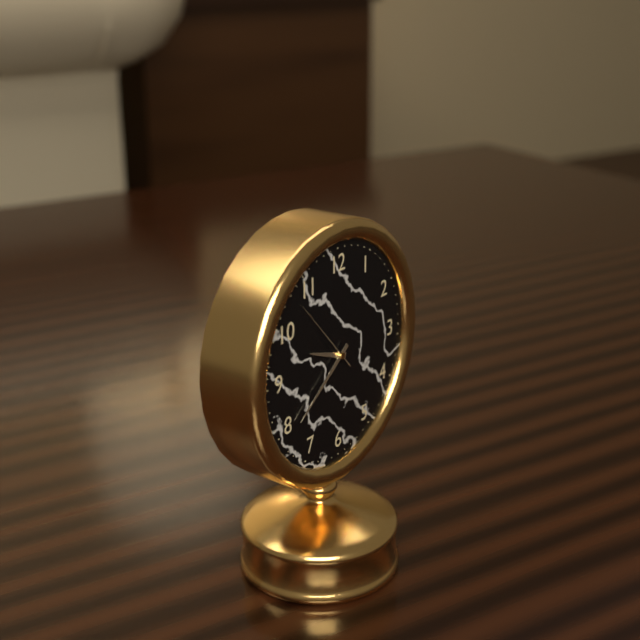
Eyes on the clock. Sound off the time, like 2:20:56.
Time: 9:39:53
